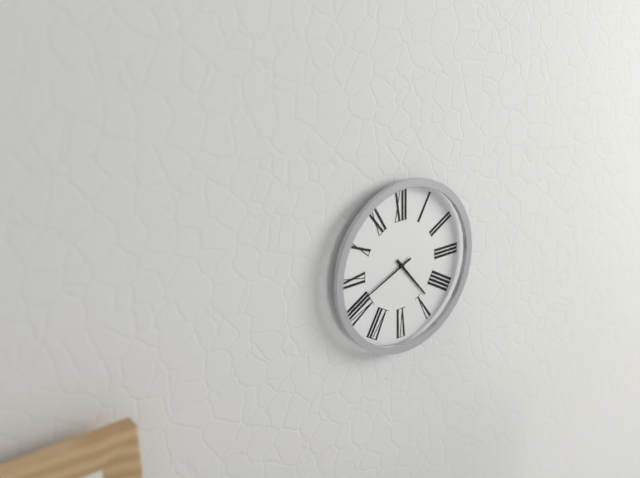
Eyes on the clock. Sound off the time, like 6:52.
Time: 4:41
